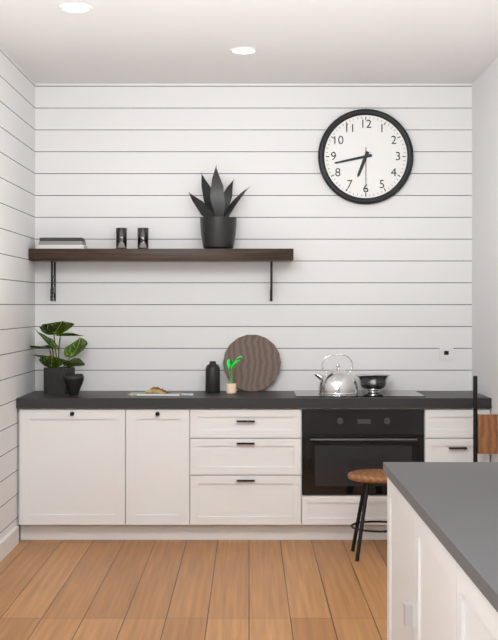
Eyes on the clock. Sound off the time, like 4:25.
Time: 6:43
